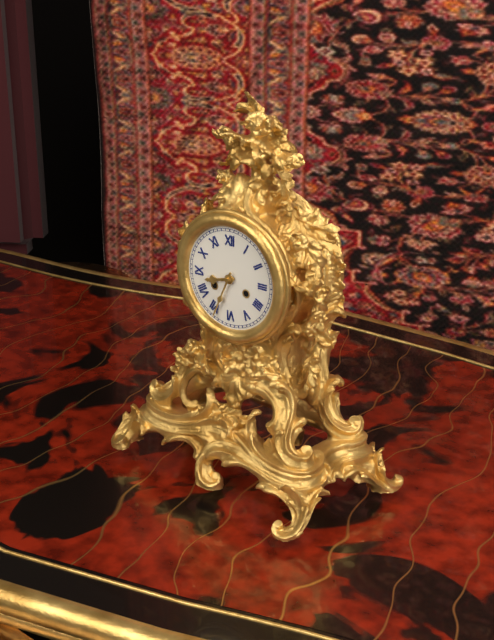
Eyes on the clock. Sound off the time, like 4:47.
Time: 8:34
